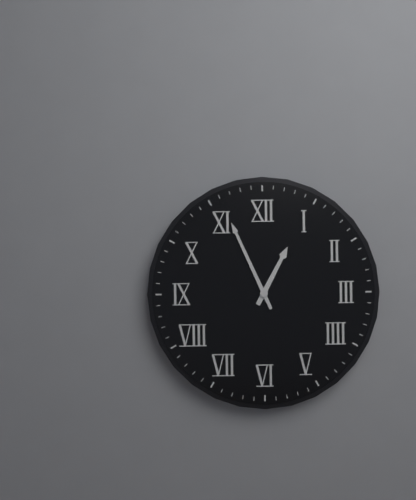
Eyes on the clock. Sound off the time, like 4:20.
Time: 12:56
